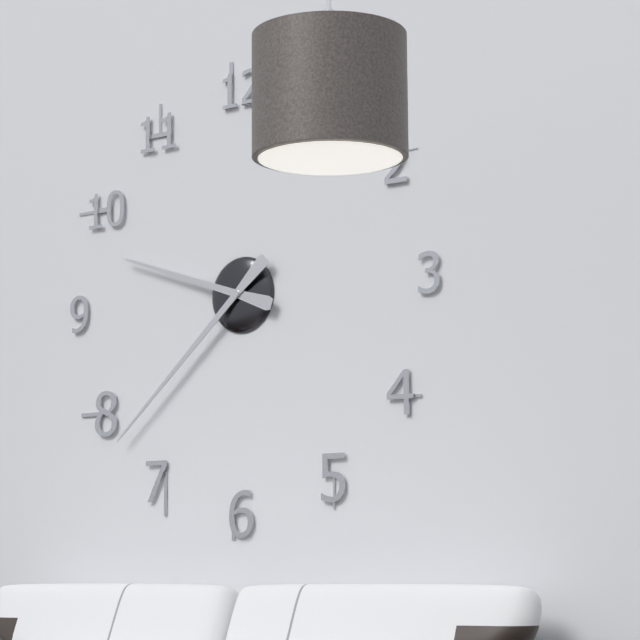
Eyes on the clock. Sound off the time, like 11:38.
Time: 9:38
